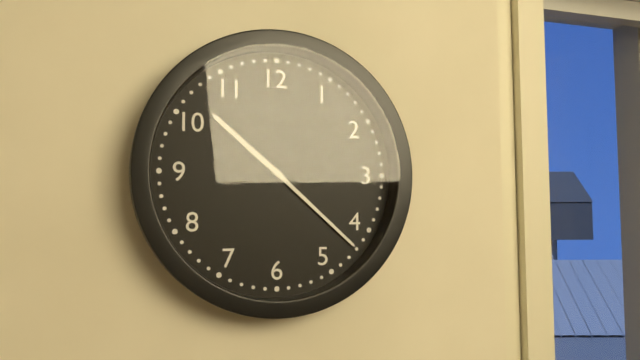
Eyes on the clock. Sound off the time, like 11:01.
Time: 10:22
